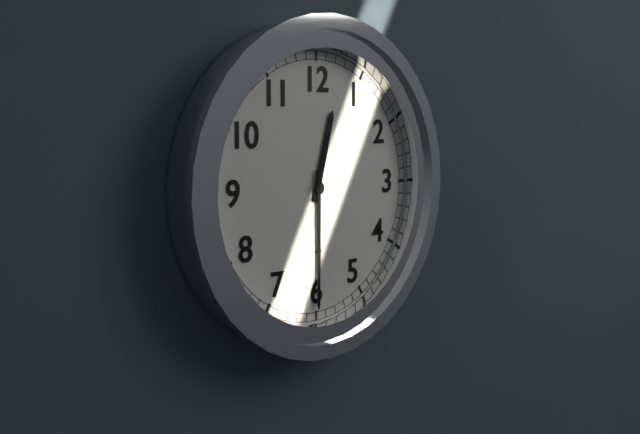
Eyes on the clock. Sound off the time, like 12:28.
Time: 12:30
